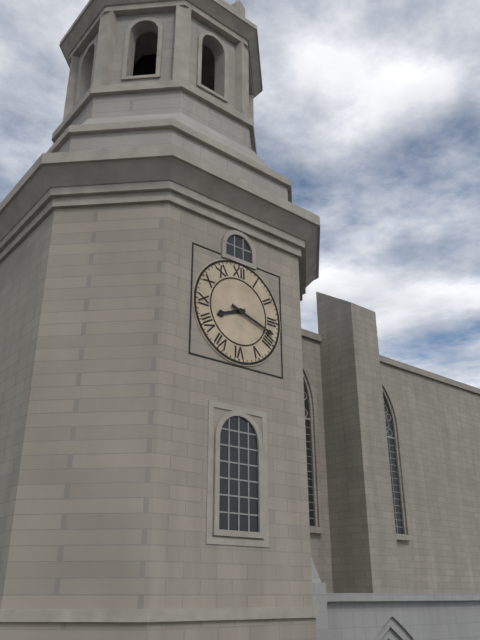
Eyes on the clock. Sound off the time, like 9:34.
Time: 8:18
